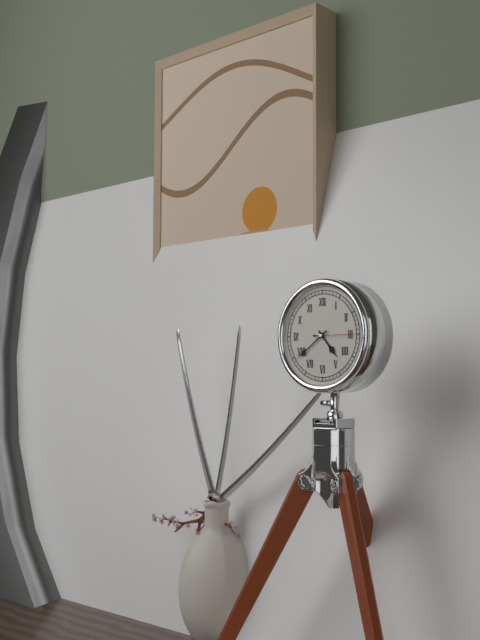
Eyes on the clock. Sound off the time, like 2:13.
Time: 4:39
